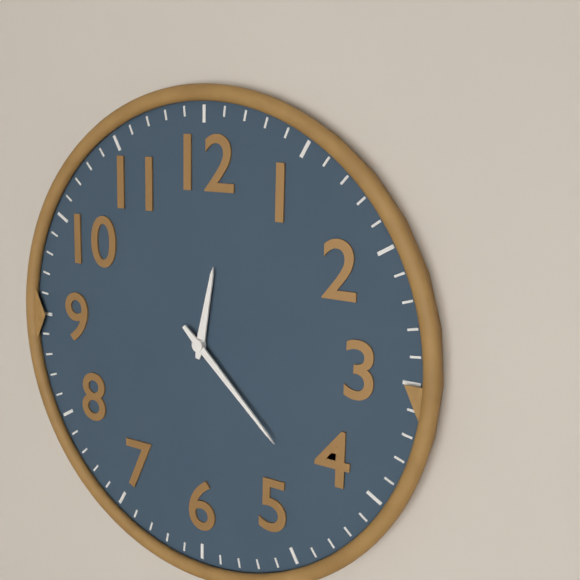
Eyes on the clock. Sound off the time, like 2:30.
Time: 12:22
